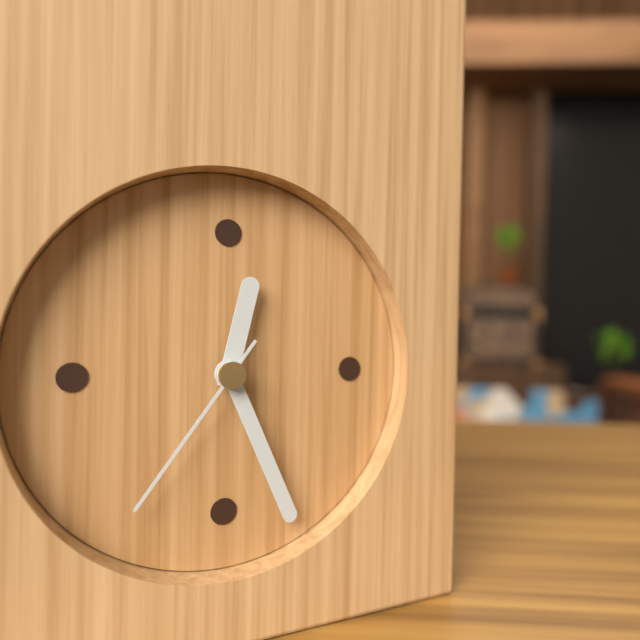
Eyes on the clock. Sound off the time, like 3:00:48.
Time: 12:26:36
